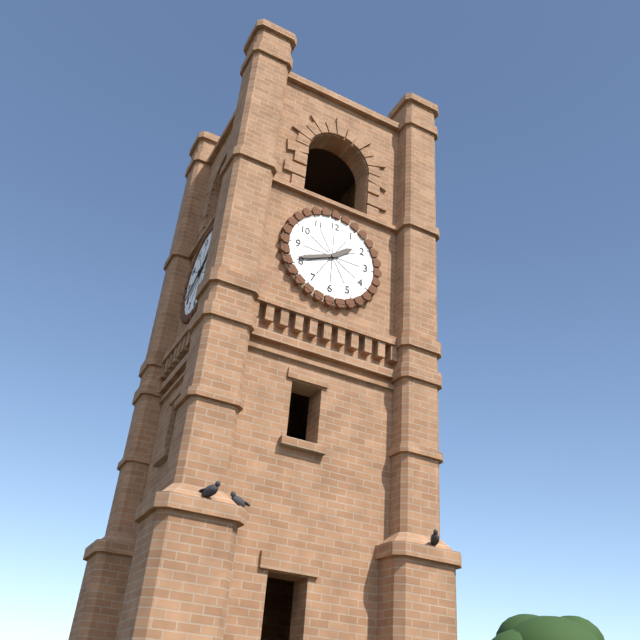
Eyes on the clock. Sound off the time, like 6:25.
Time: 1:41
